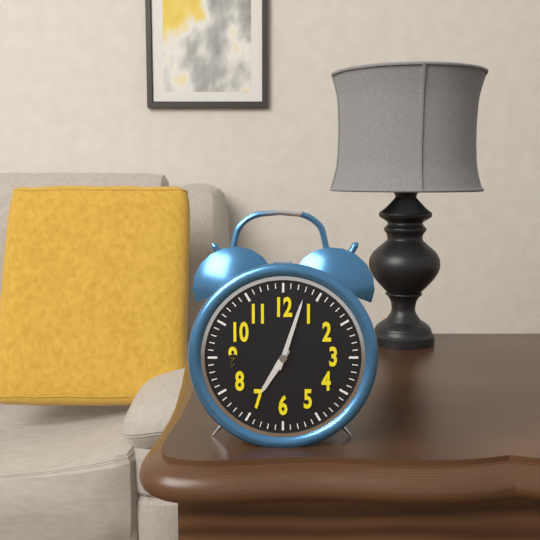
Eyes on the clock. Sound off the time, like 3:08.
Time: 7:03
